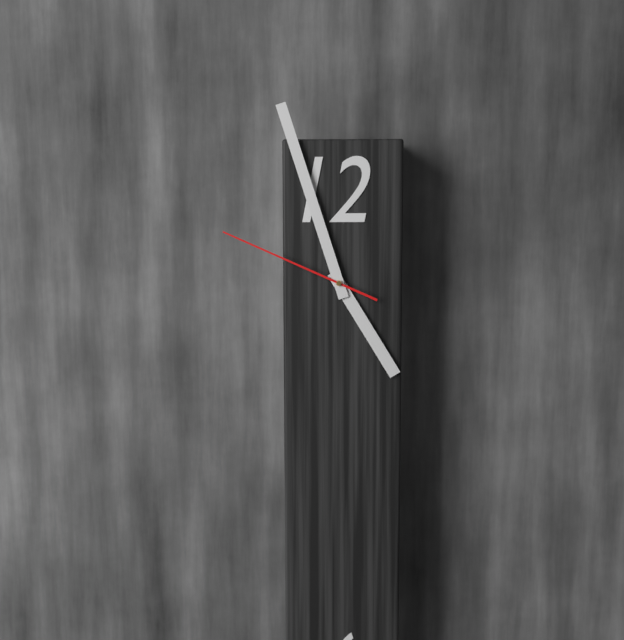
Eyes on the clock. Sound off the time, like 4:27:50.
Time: 4:57:49
